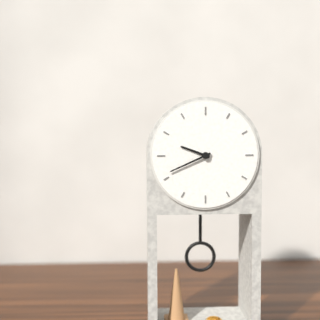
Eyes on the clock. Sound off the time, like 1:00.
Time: 9:41
